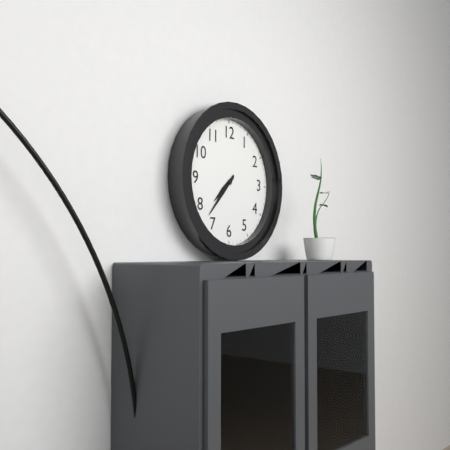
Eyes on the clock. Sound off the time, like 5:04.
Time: 7:37
